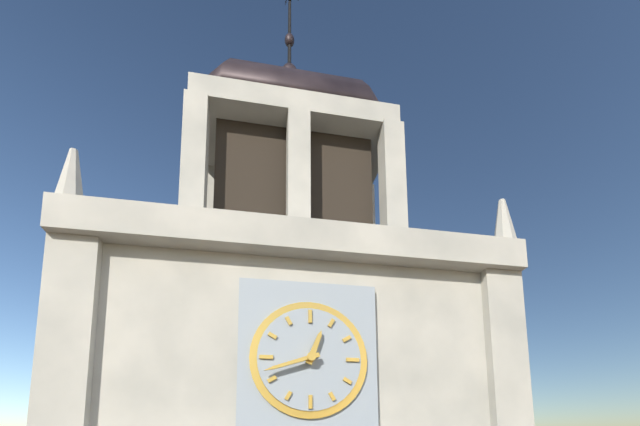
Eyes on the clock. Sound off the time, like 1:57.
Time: 12:42
